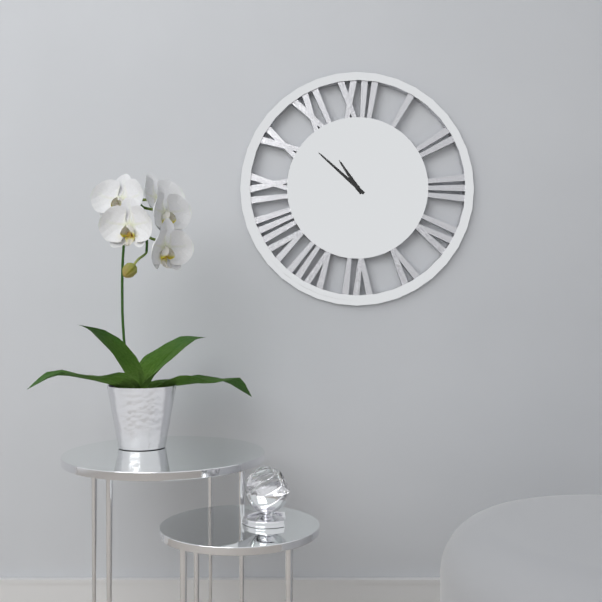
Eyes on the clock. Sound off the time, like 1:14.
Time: 10:52
